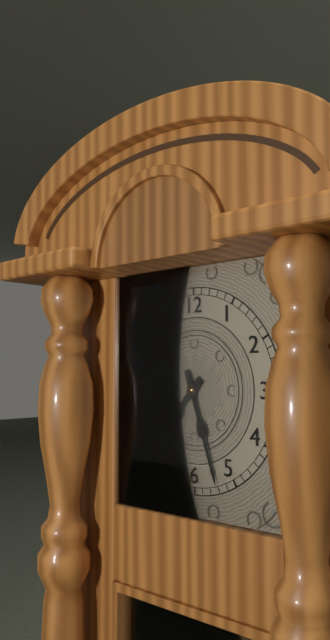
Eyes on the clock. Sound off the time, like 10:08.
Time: 7:27
